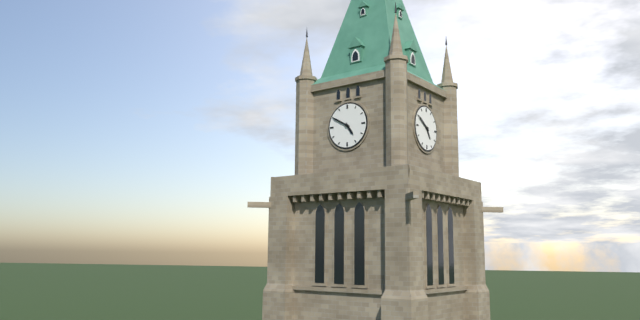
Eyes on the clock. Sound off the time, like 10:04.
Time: 4:50
